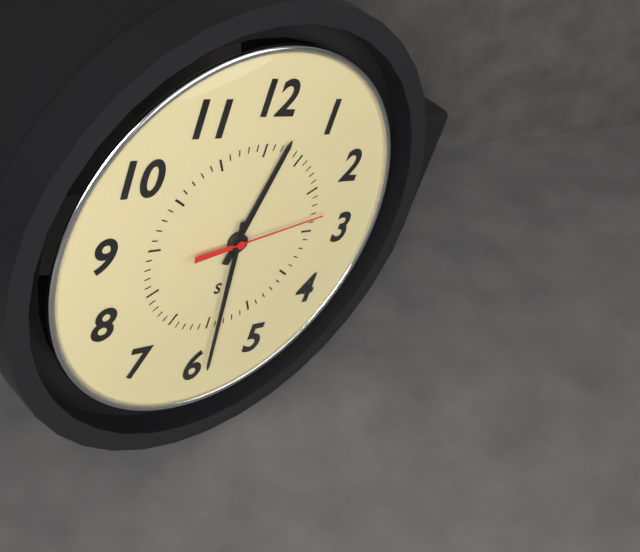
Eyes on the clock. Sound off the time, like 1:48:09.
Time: 12:29:13
